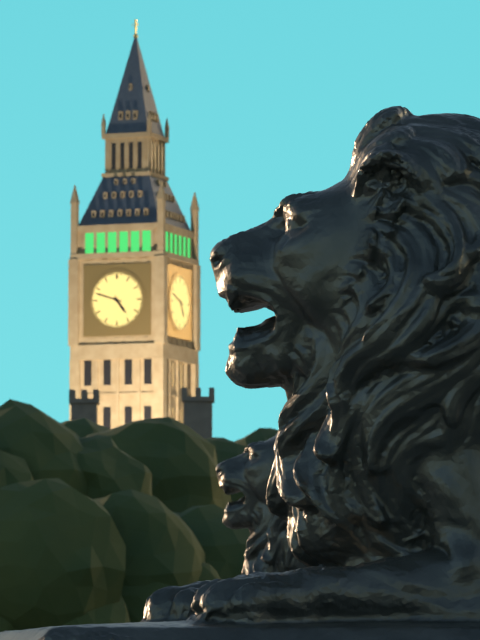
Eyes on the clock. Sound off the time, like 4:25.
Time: 4:48
